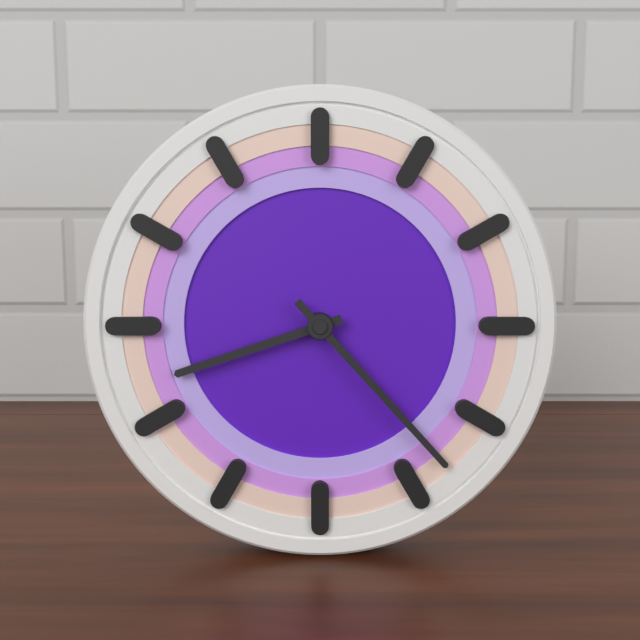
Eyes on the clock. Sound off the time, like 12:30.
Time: 8:23
